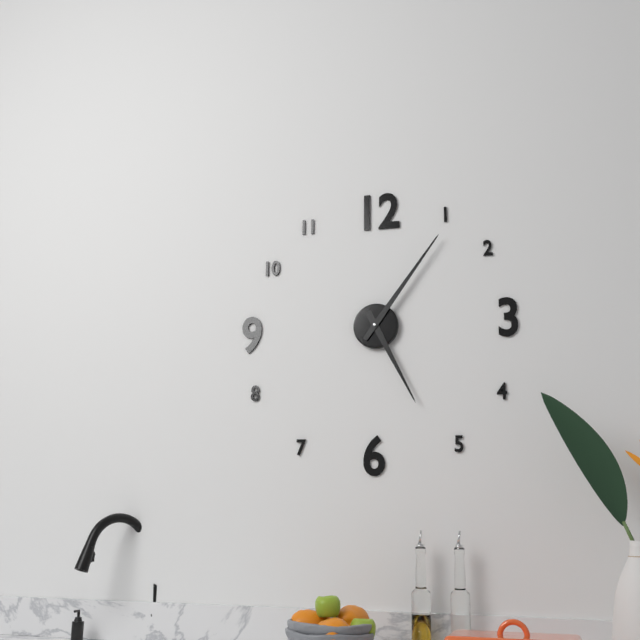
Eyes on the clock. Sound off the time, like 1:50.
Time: 5:06
